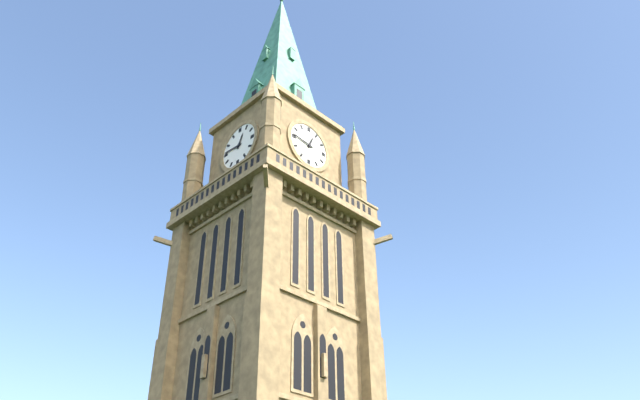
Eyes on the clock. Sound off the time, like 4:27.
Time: 12:46
